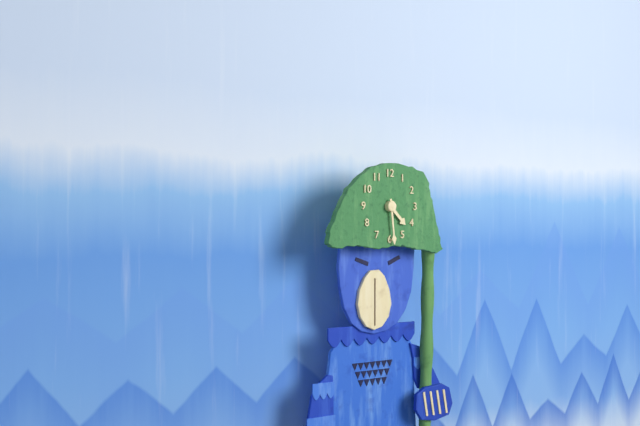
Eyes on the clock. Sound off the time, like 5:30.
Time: 4:29
